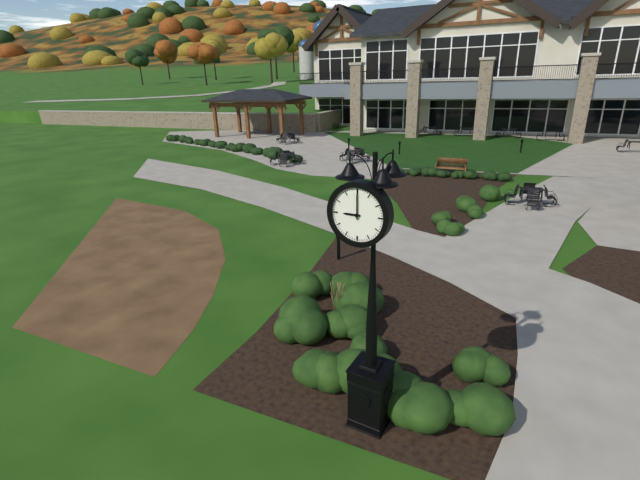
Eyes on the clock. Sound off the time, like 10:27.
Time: 9:00
